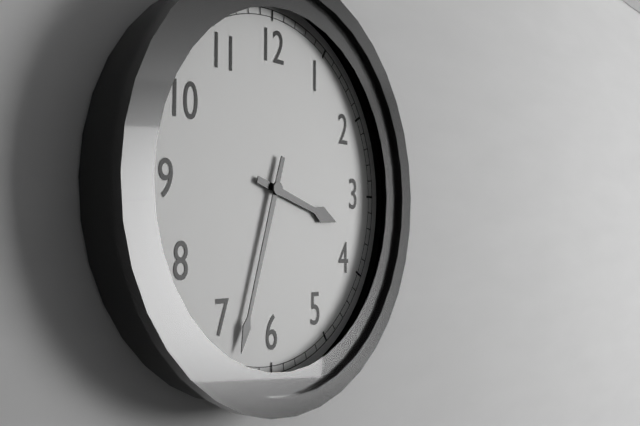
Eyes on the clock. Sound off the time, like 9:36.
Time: 3:33
